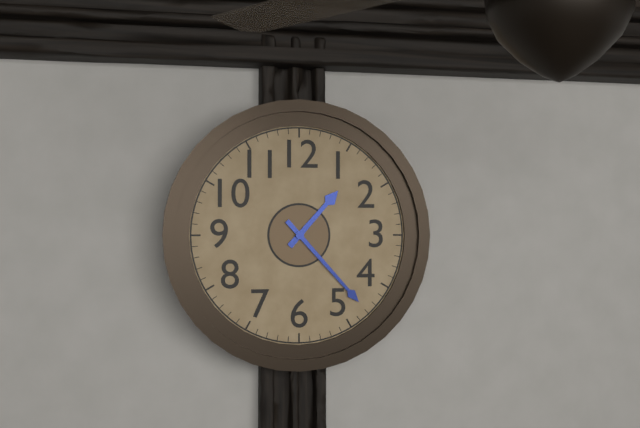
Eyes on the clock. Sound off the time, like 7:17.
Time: 1:23
